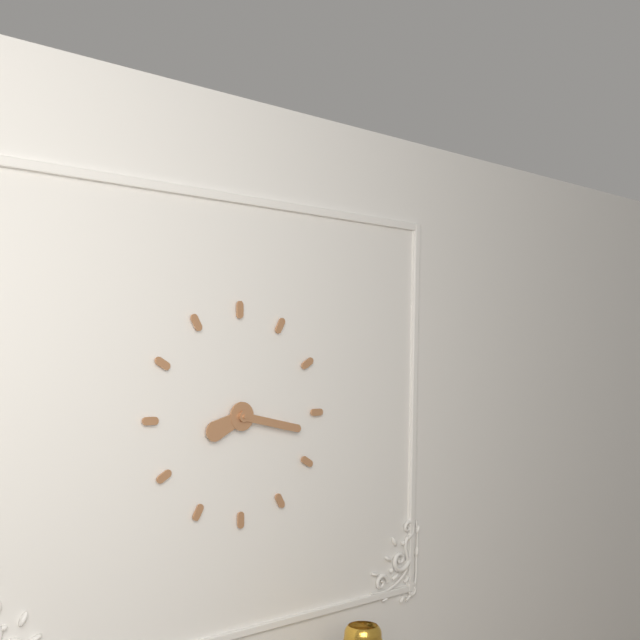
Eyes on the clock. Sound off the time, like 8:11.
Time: 8:17
